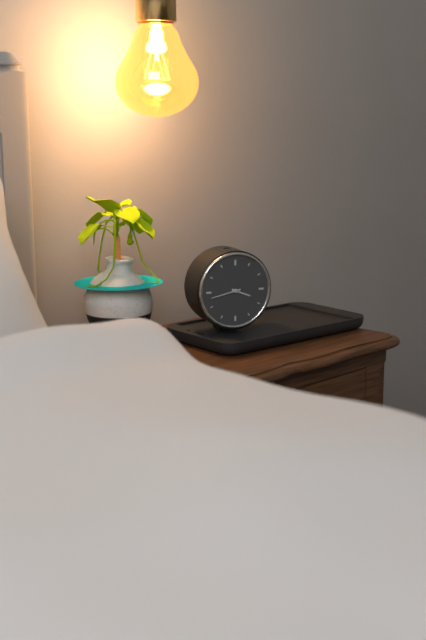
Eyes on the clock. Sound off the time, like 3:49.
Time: 3:43
